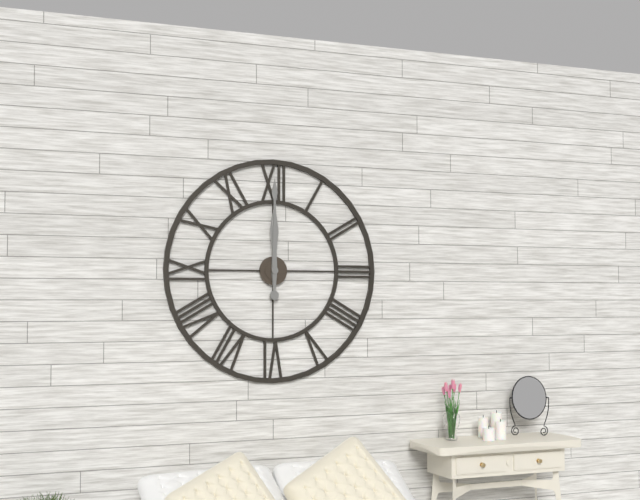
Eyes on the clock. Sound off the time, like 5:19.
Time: 12:00
